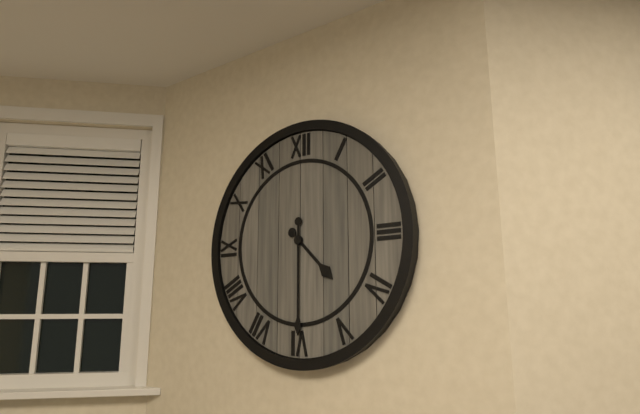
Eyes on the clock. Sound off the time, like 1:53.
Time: 4:30
